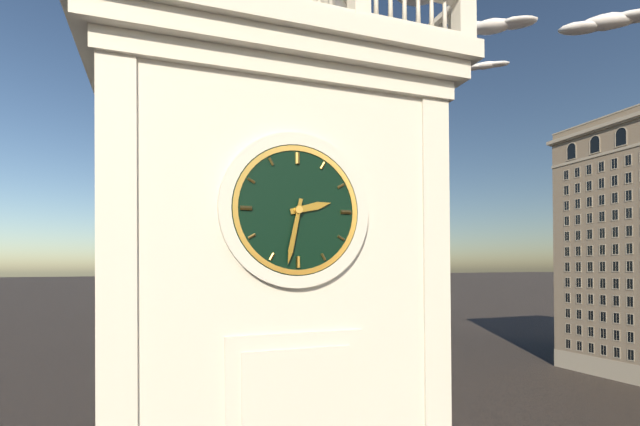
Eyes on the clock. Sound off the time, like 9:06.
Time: 2:32
